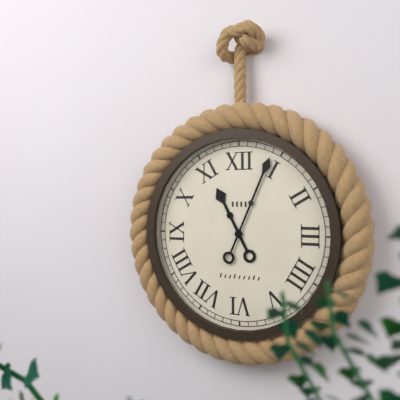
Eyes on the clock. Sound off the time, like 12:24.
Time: 11:04
